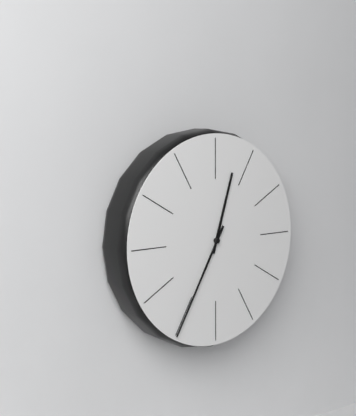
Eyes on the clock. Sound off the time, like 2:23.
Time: 12:35
